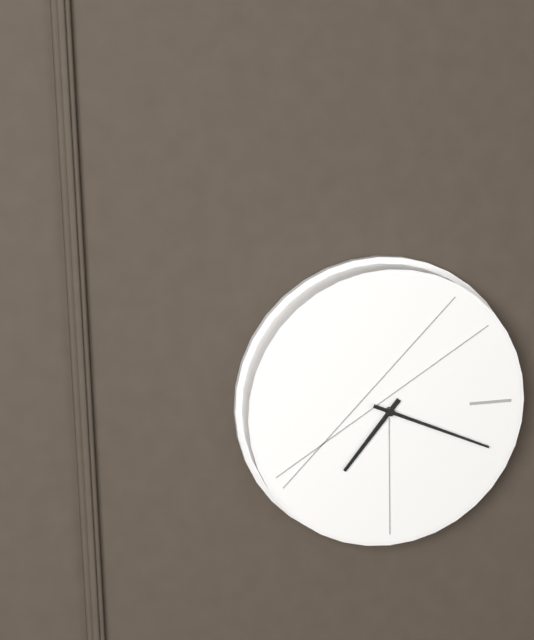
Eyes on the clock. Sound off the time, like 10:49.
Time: 7:19
